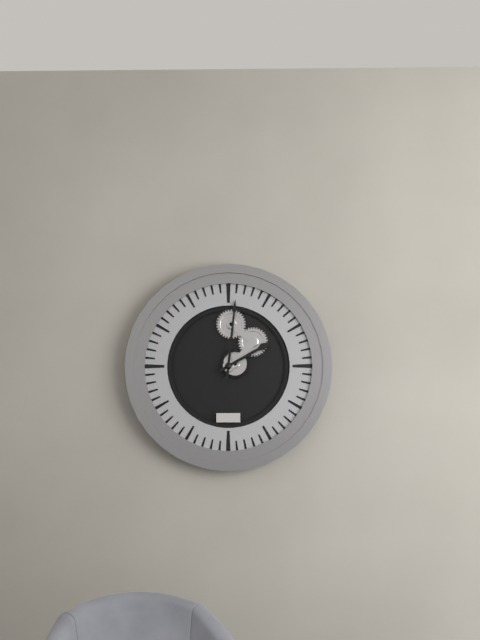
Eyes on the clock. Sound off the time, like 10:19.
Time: 2:01
